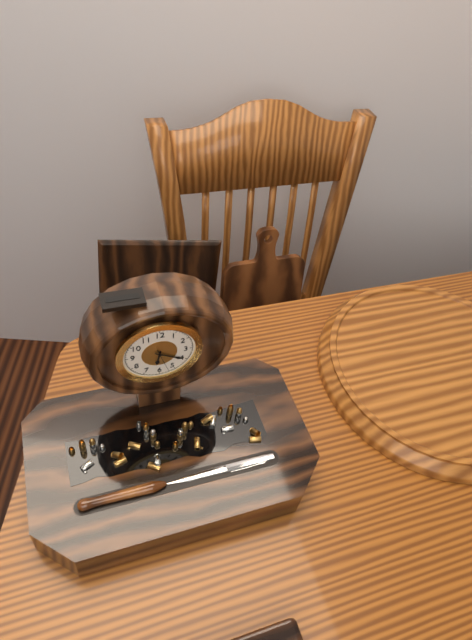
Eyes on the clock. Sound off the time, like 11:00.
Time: 6:20
